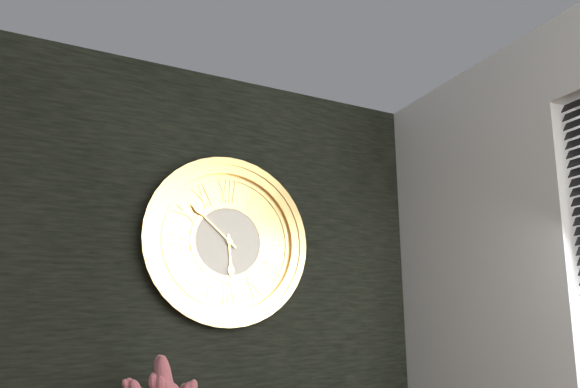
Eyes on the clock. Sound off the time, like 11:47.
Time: 5:52
